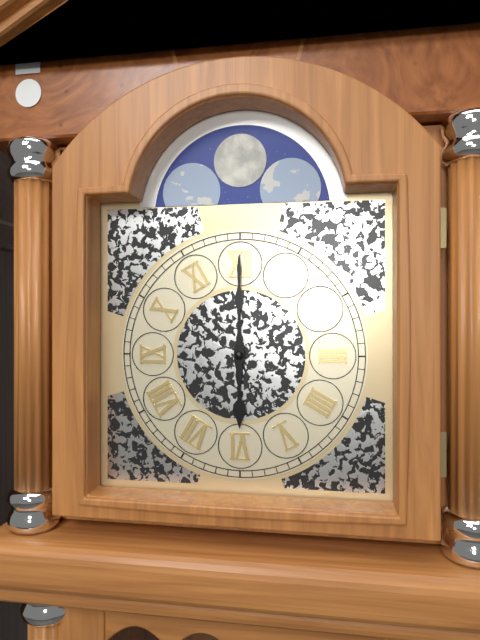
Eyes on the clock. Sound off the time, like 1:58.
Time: 6:00
